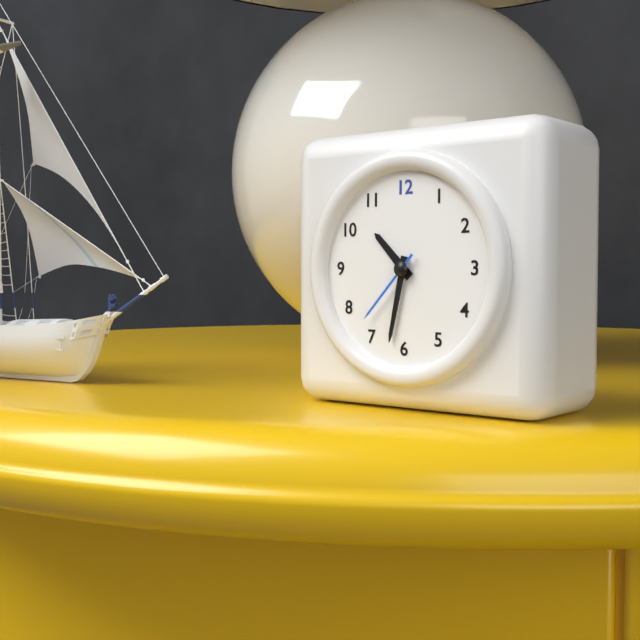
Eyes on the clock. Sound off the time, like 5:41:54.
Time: 10:32:37
